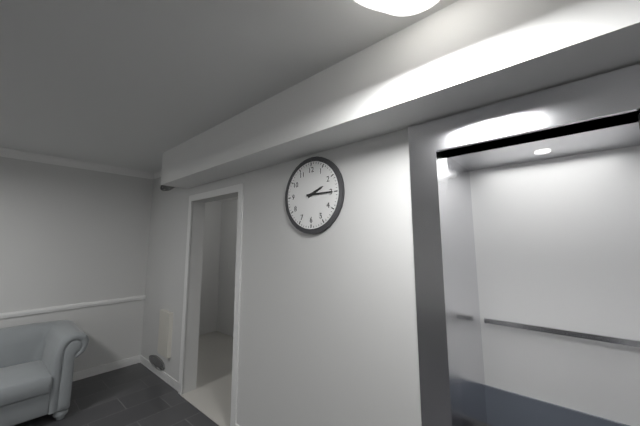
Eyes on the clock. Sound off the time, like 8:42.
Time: 2:15
